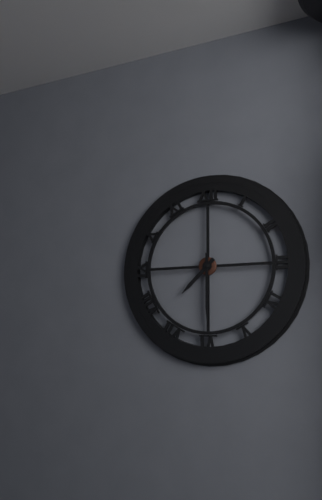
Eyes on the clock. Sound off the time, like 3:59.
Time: 7:30
